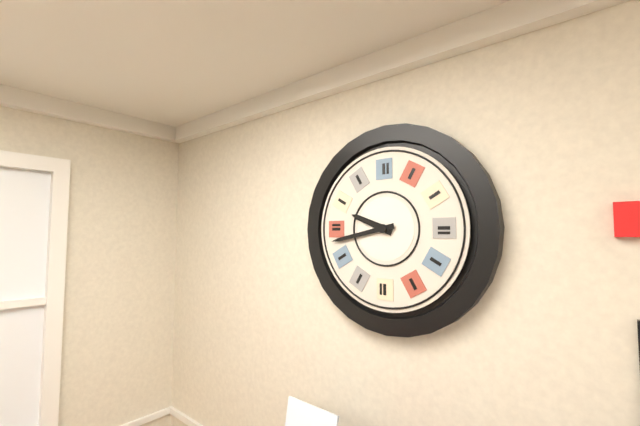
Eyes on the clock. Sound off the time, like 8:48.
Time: 9:43
